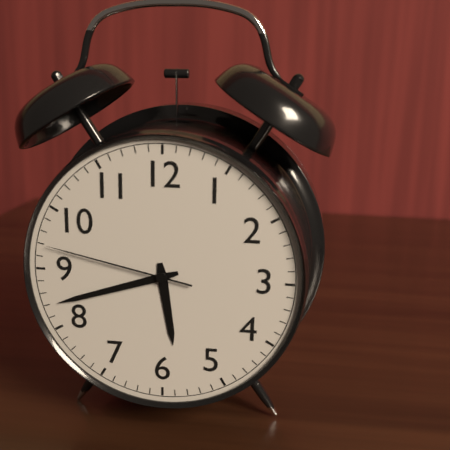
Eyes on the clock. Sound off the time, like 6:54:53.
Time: 5:42:47
